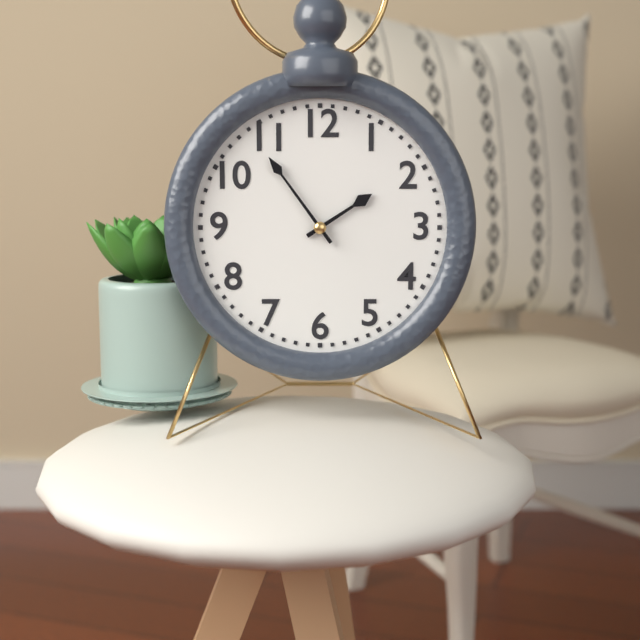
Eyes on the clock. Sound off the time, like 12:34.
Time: 1:54
